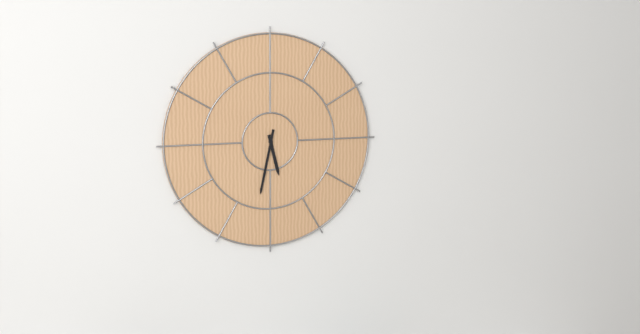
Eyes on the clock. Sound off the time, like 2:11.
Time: 5:32
